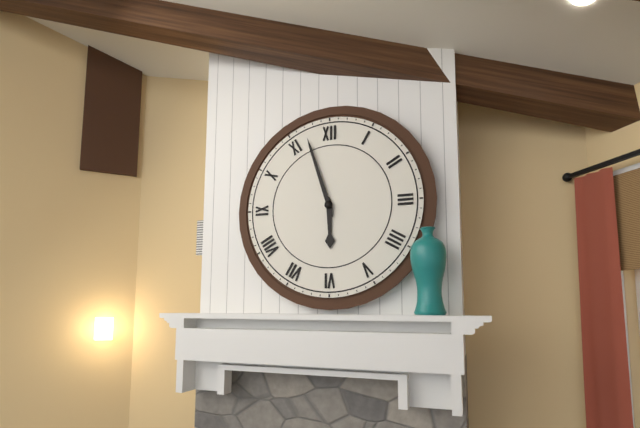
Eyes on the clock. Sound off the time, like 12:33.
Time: 5:57
